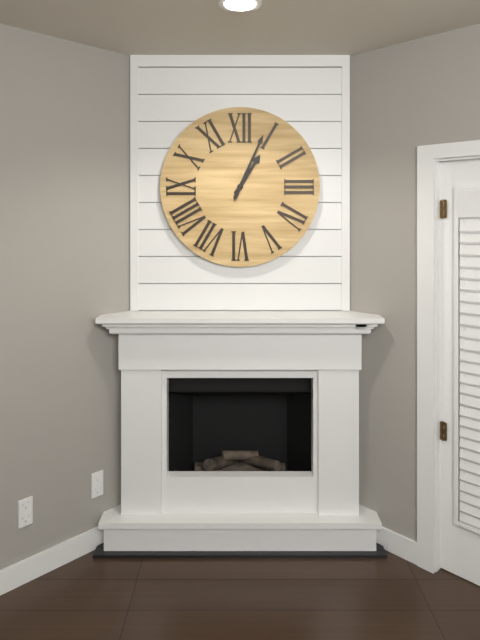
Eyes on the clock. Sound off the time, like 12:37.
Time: 1:04
